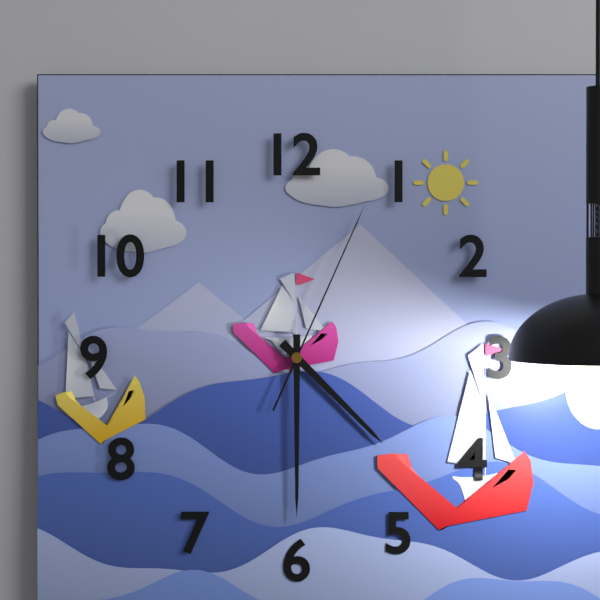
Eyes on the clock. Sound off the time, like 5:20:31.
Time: 4:30:04
